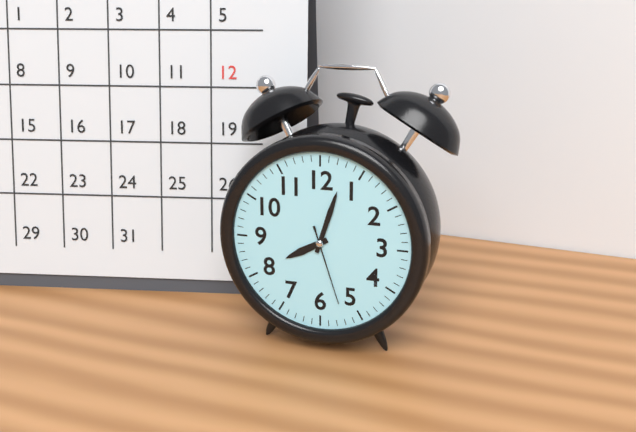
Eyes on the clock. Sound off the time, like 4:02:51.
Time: 8:03:27
